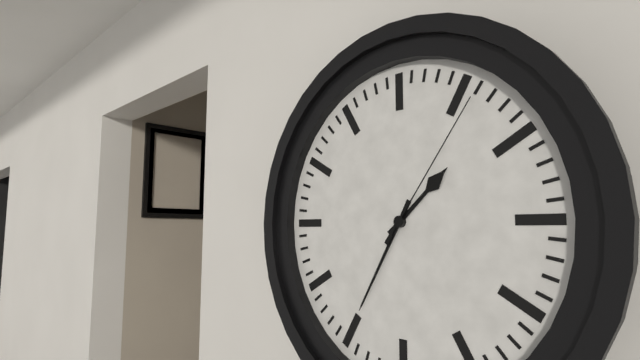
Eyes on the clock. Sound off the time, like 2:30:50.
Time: 1:35:06
